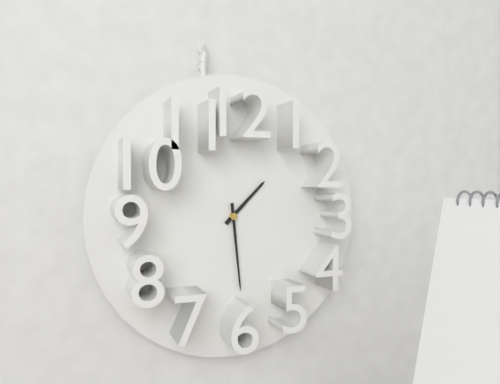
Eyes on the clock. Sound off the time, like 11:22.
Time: 1:29
